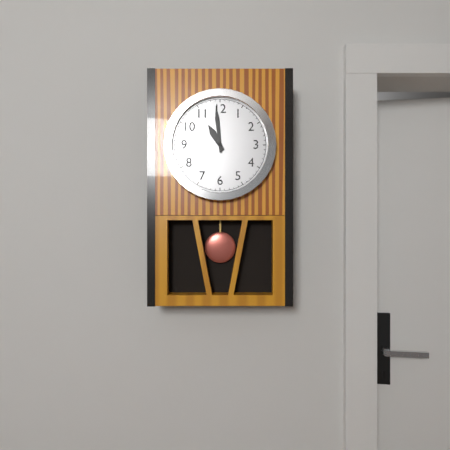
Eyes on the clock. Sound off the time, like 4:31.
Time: 10:59
